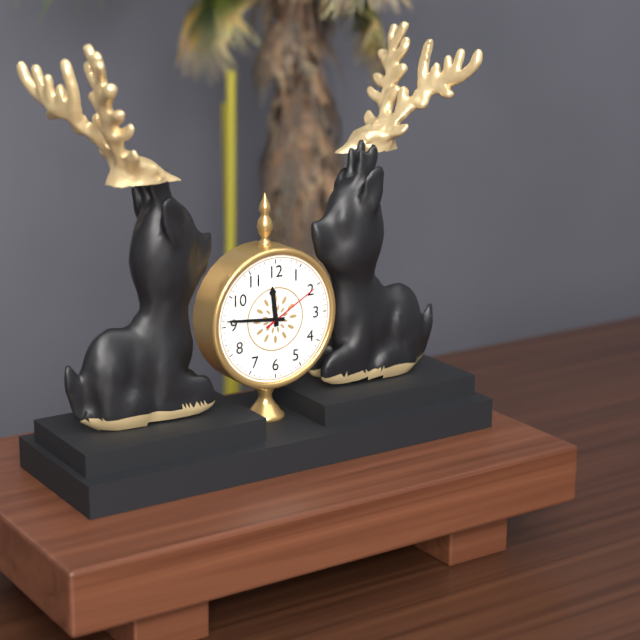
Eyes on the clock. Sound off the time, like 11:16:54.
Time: 11:46:10
